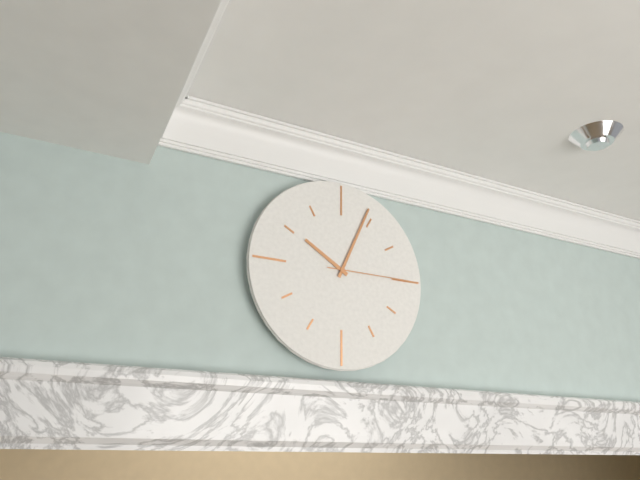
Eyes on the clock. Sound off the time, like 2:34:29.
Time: 10:04:15
